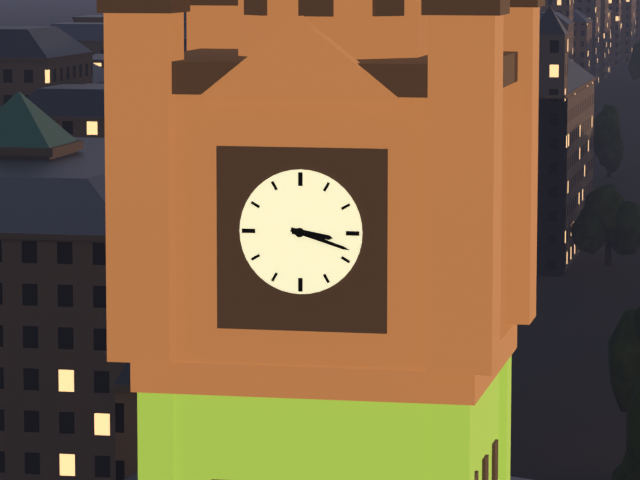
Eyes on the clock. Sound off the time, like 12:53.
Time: 3:18
